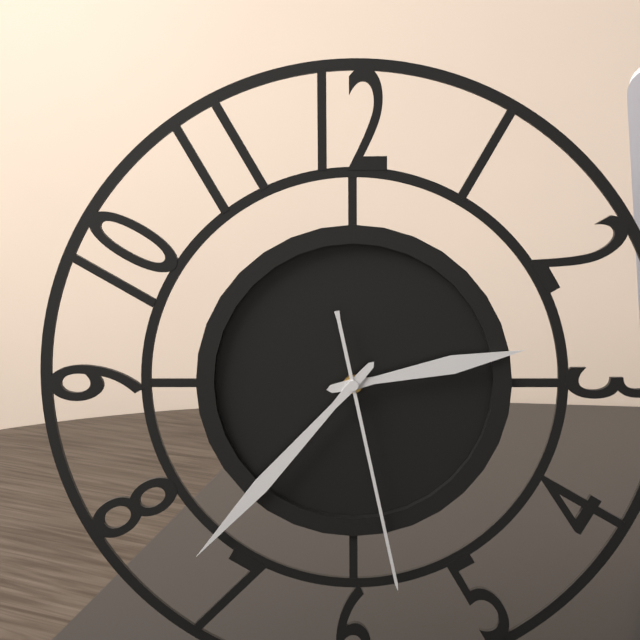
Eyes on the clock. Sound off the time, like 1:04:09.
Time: 2:37:28
